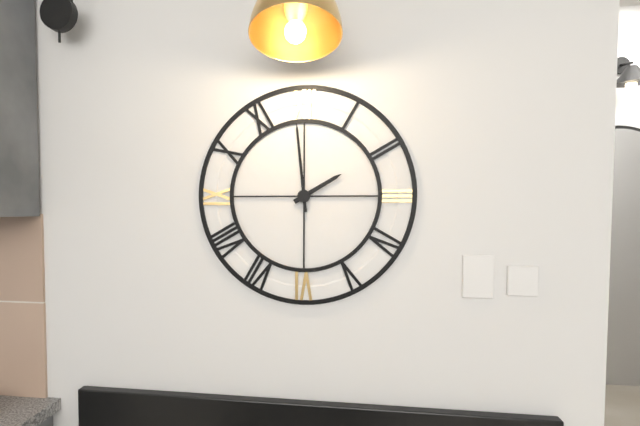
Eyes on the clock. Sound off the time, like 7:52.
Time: 1:59
